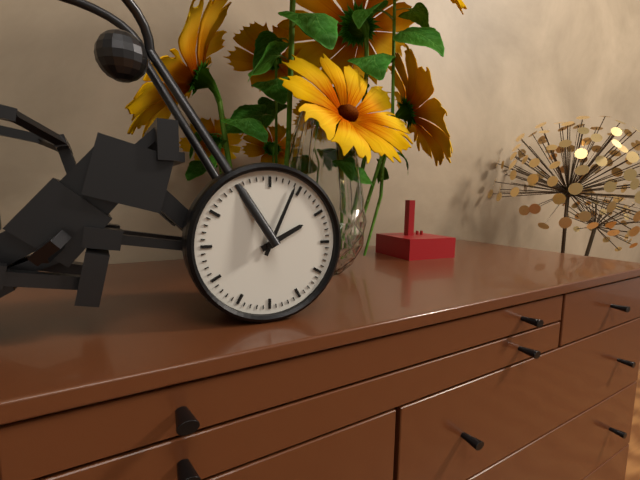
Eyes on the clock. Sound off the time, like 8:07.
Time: 2:04
